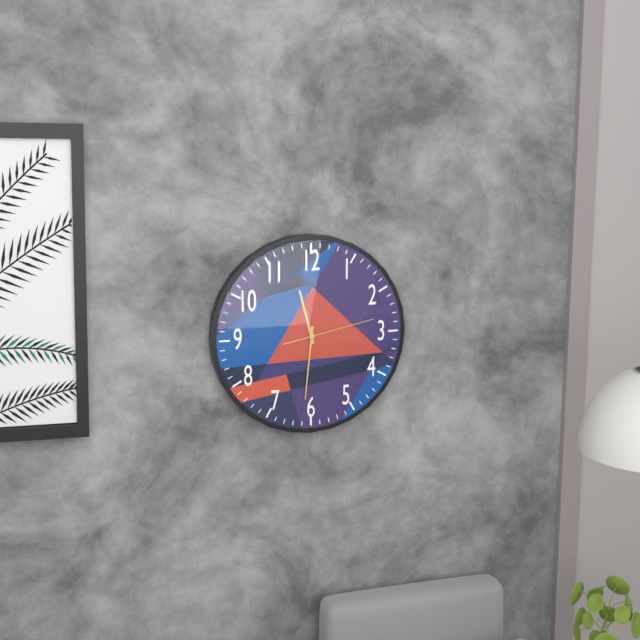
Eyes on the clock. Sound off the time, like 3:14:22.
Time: 11:31:13
